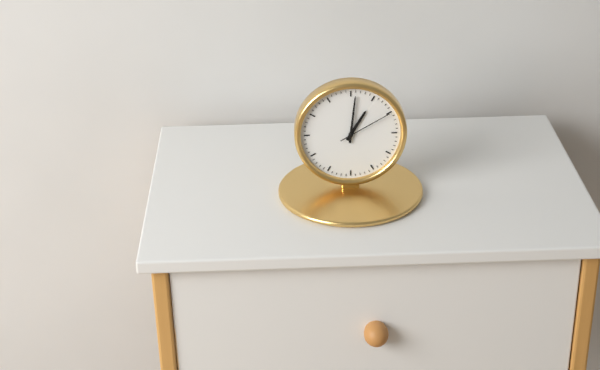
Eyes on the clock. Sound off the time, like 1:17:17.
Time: 1:01:10
